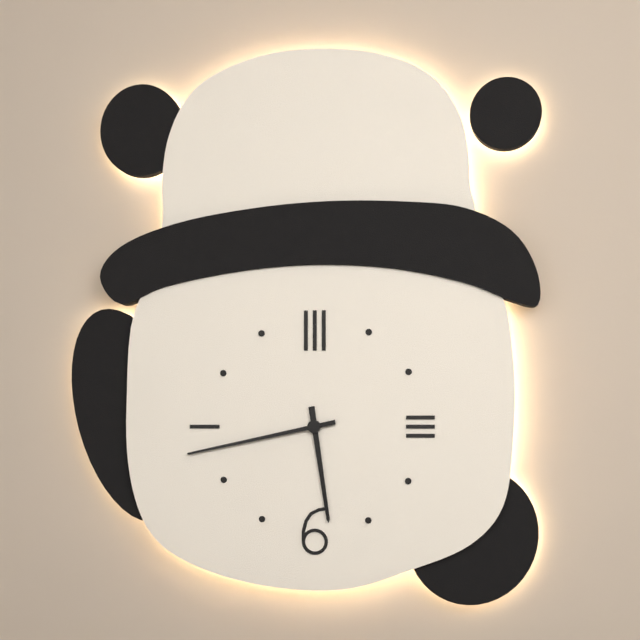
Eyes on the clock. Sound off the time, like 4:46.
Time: 5:43
